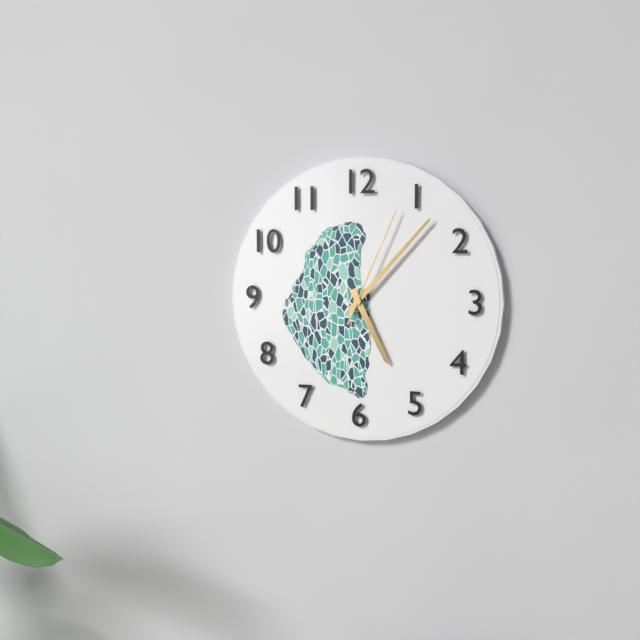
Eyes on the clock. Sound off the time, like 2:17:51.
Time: 5:07:04
